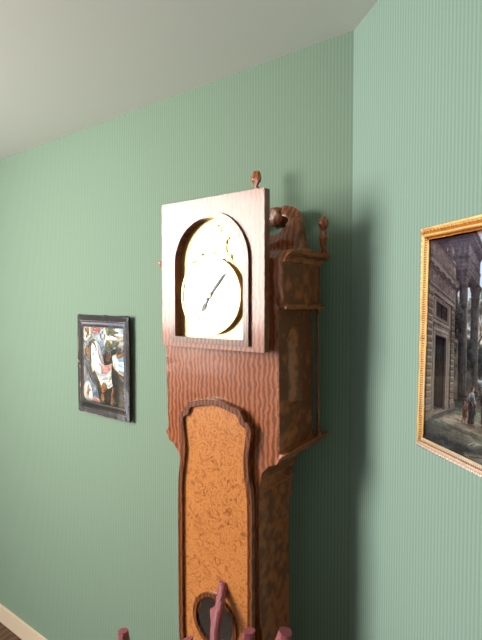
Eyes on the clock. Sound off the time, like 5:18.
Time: 7:07
